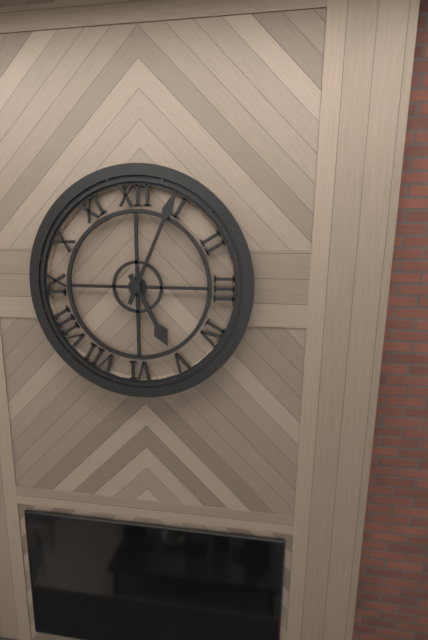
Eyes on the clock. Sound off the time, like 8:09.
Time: 5:04
